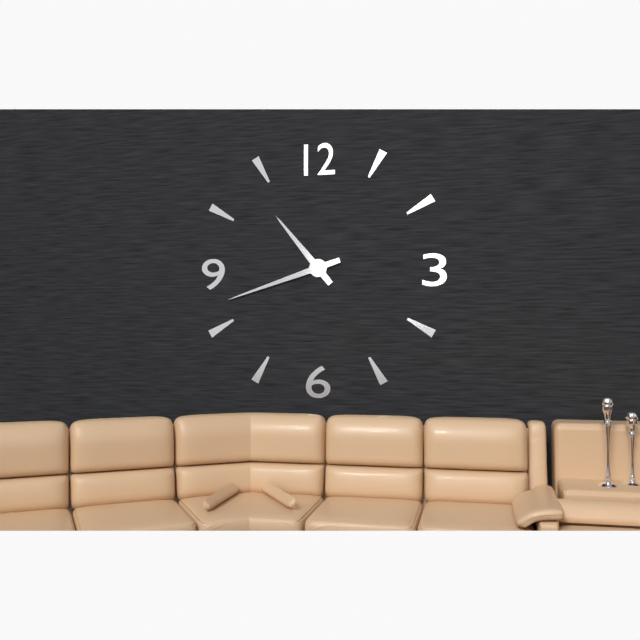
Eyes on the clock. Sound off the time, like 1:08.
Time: 10:42
